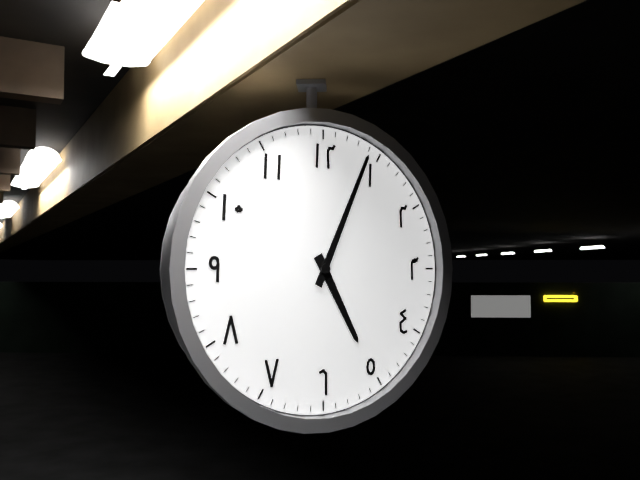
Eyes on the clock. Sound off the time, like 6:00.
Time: 5:04
